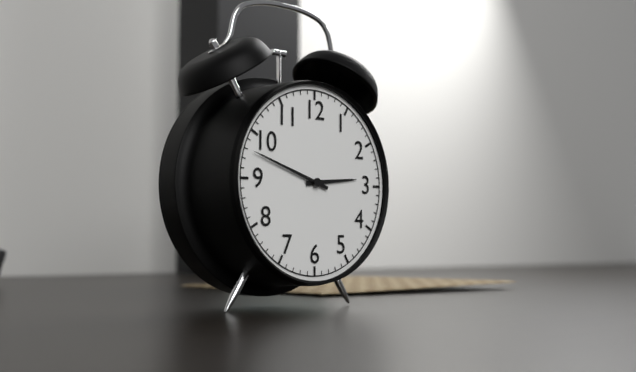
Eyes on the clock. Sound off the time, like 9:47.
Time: 2:48
